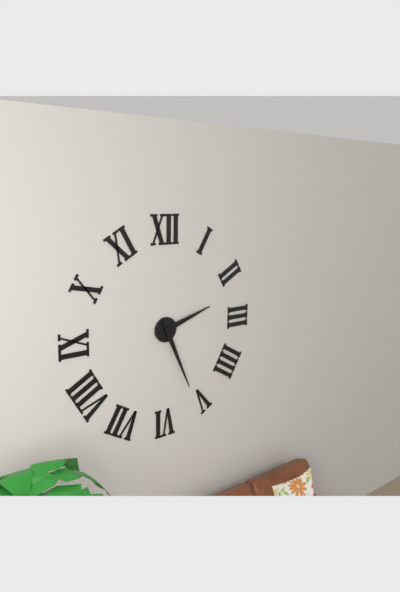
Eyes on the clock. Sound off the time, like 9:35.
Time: 2:26
